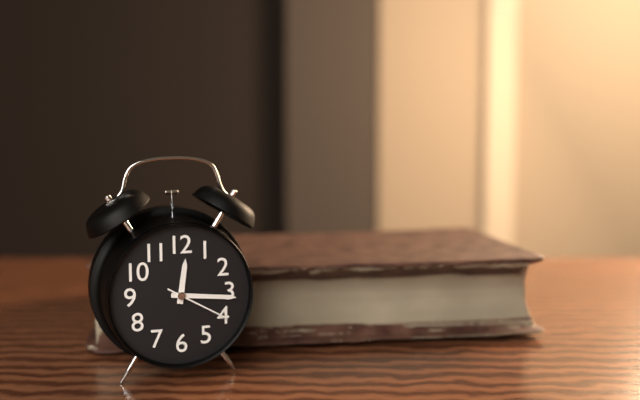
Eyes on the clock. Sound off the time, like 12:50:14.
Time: 12:16:20
